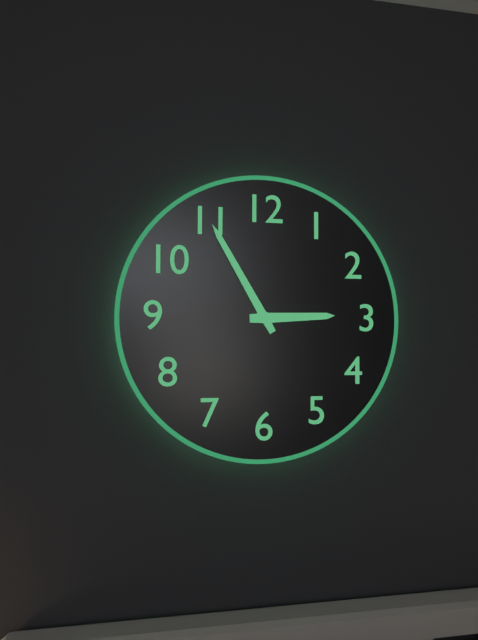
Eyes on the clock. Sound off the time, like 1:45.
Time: 2:55
